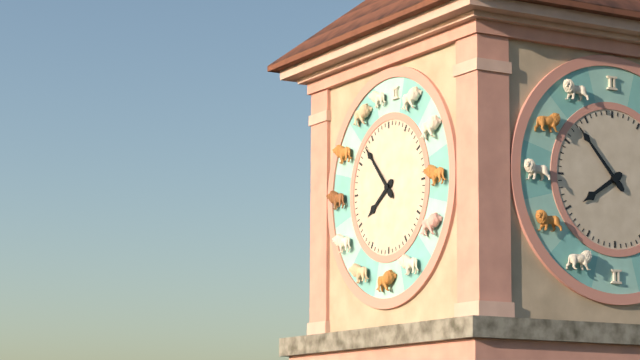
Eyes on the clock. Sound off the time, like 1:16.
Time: 7:53
